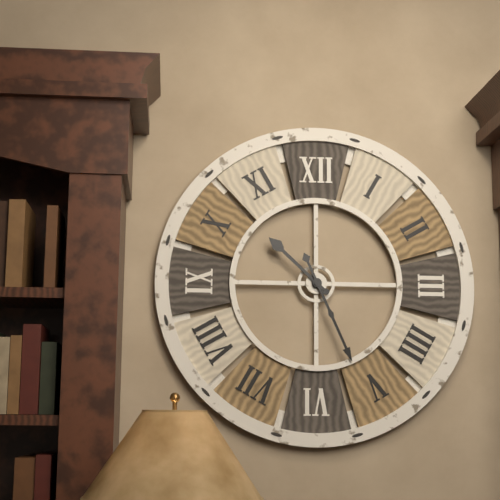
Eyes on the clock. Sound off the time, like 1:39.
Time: 10:26
